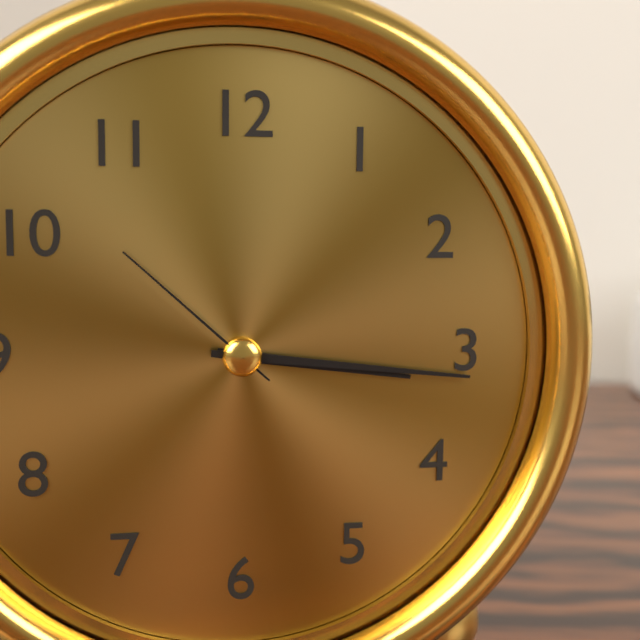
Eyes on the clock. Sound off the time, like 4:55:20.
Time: 3:16:52
